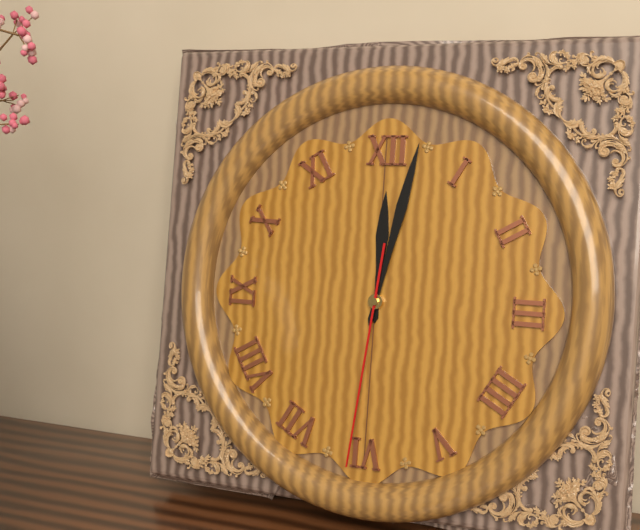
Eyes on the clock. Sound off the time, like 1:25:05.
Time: 12:02:31
